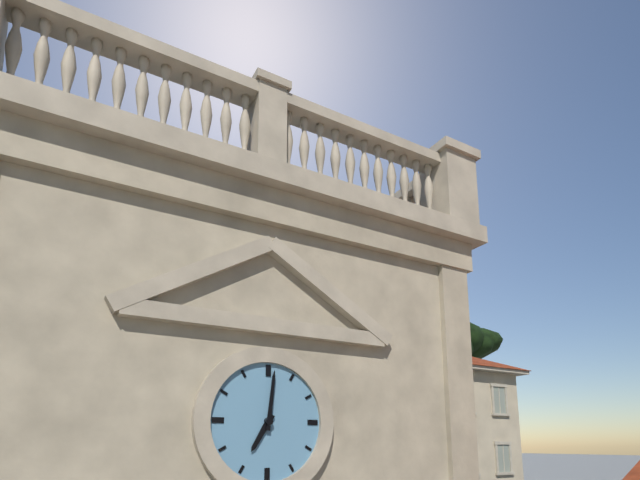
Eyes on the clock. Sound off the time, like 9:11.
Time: 7:01
